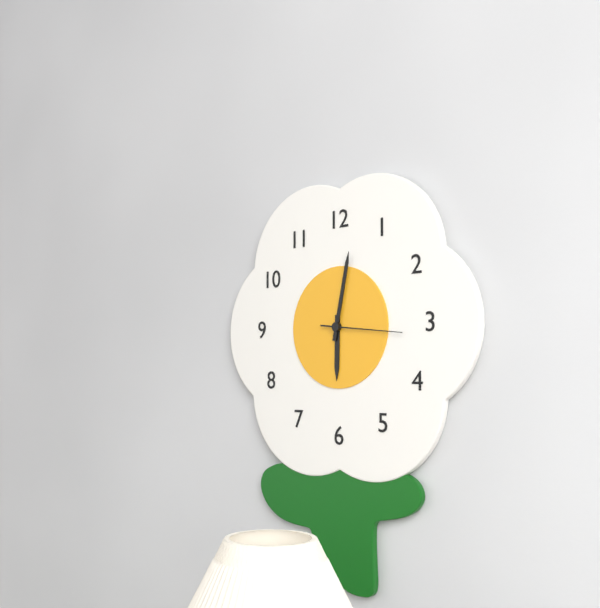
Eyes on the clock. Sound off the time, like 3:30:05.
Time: 6:02:16
